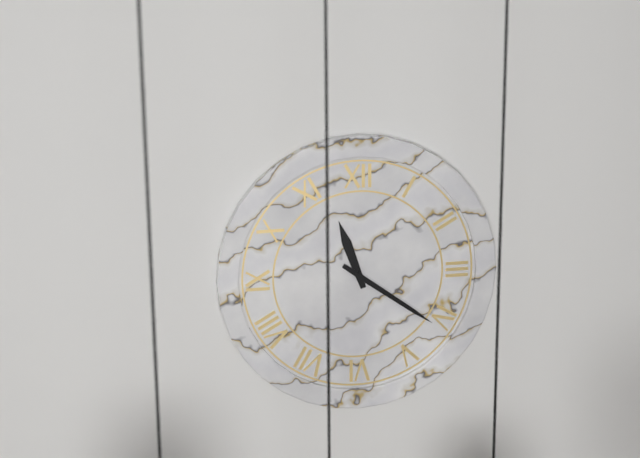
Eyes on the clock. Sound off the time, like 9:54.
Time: 11:21
